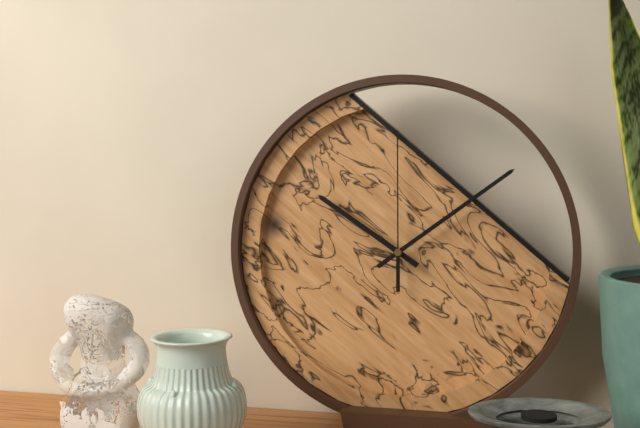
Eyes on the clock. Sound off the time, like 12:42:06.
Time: 10:09:00
